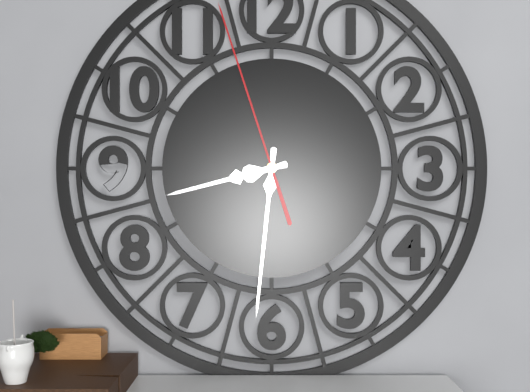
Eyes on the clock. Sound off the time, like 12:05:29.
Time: 8:31:57
